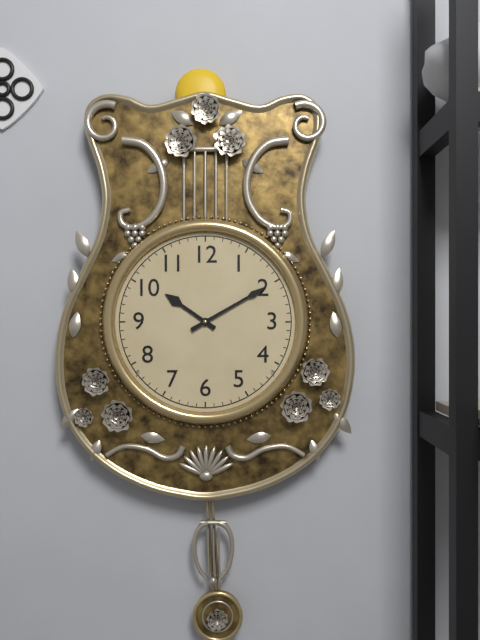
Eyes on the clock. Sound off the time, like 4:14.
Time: 10:10
